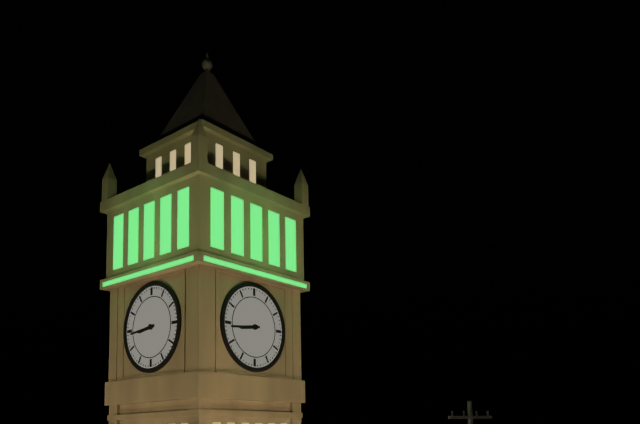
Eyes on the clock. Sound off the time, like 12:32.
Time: 8:44
